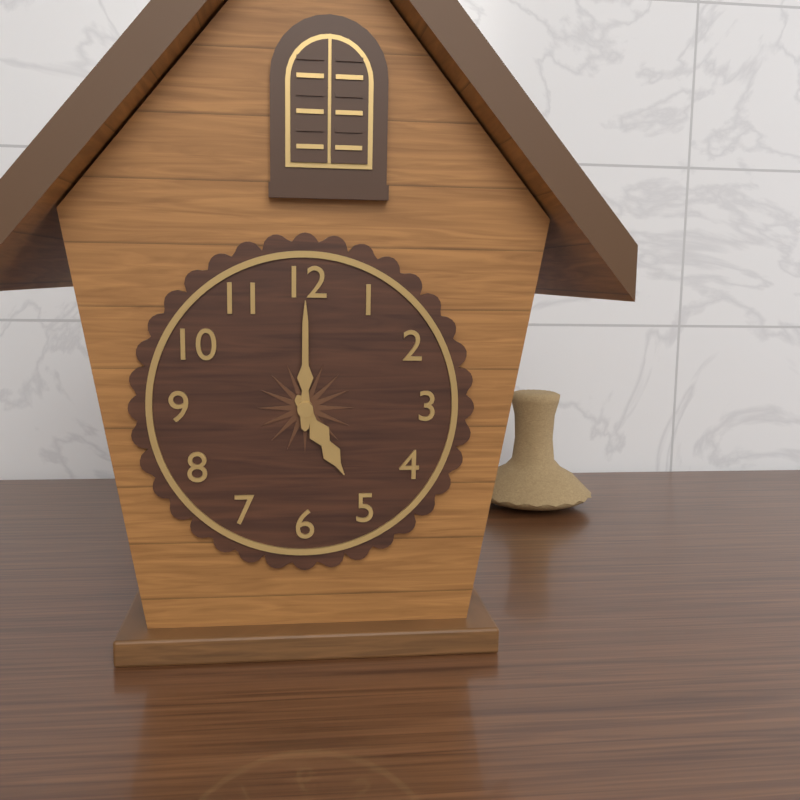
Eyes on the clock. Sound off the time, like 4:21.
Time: 5:00
